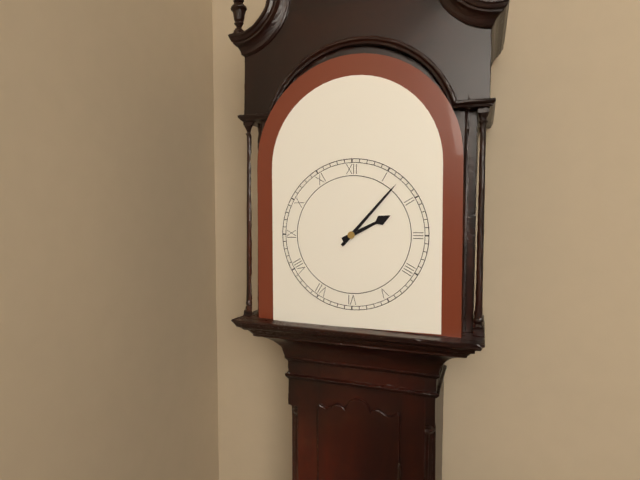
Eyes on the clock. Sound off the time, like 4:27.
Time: 2:07
